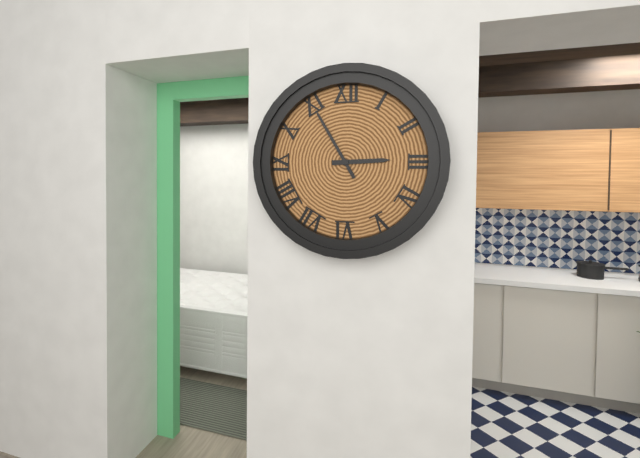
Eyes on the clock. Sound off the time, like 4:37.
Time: 2:55
